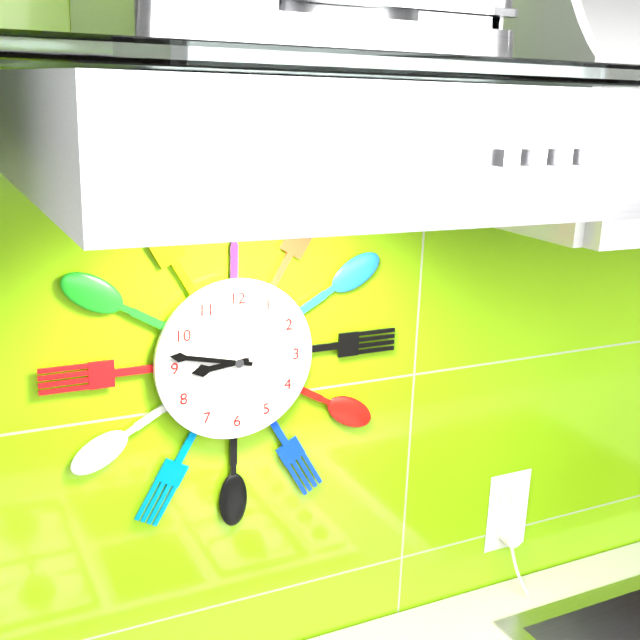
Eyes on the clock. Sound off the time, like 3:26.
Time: 8:47
